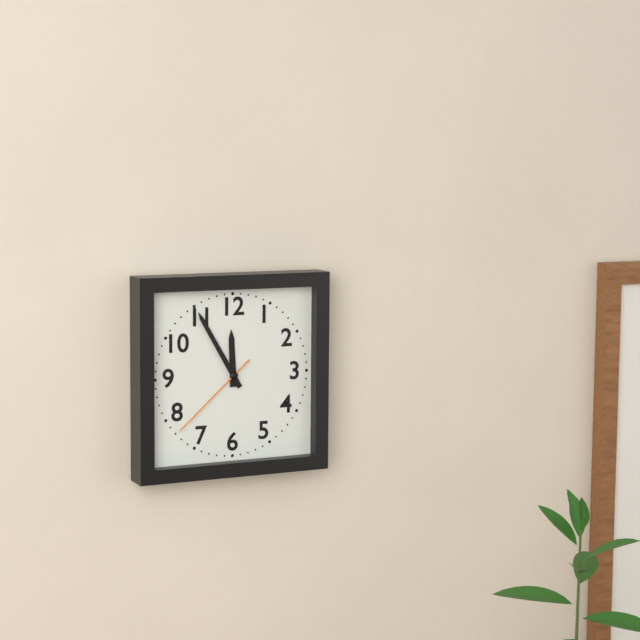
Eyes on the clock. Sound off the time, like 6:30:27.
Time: 11:55:38
